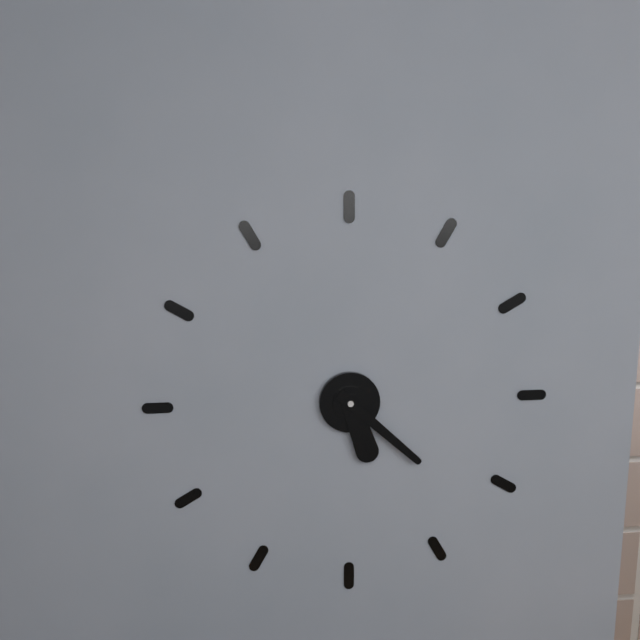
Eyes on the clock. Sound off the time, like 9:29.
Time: 5:22
